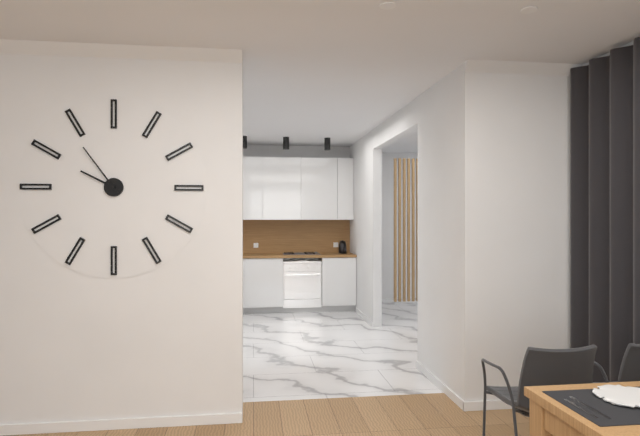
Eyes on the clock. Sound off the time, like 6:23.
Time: 9:54
